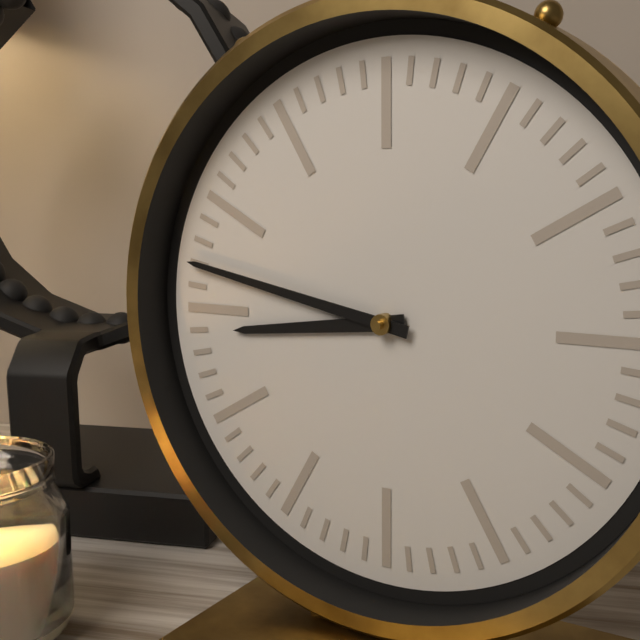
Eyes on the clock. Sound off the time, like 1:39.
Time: 8:47
